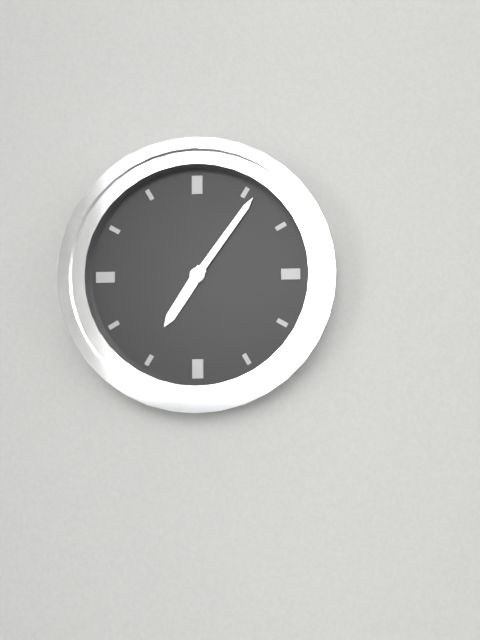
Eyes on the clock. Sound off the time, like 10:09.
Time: 7:06
